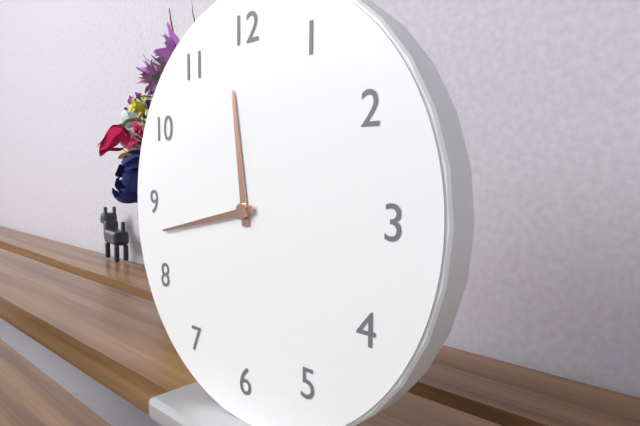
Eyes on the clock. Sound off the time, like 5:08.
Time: 11:43
